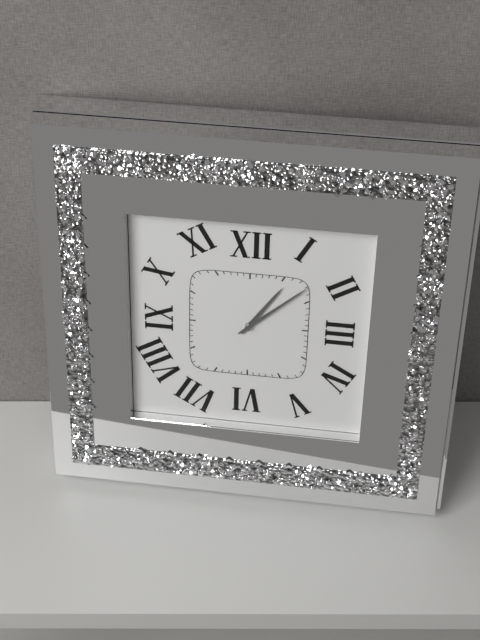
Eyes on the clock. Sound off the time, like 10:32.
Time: 1:08
